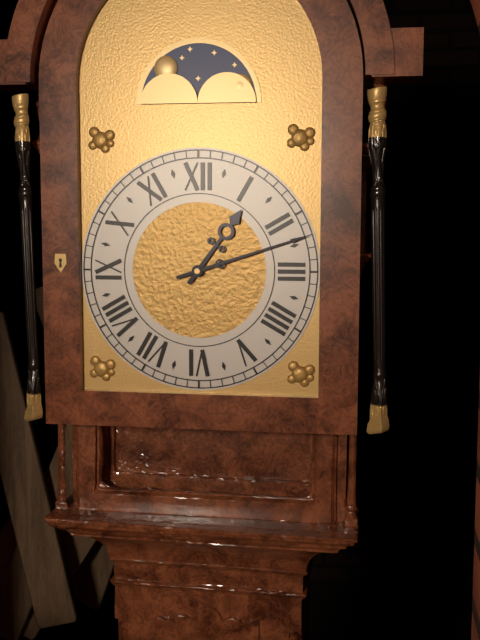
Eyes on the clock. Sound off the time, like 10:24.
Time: 1:12
